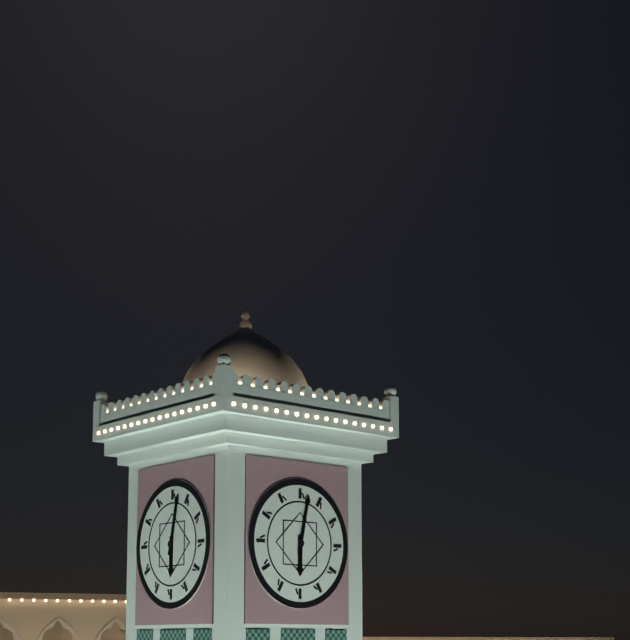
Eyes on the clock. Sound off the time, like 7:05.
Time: 6:02
